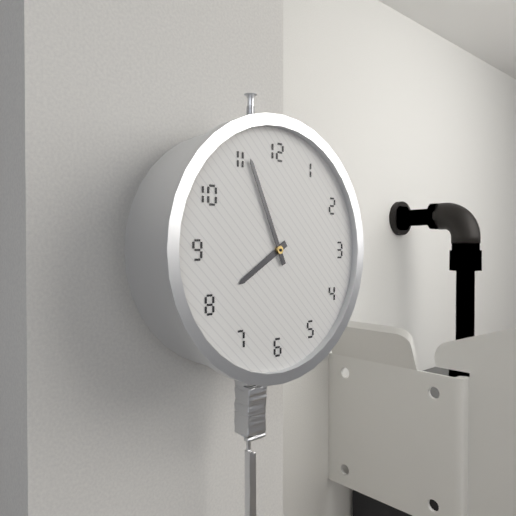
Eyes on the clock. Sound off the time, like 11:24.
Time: 7:56
